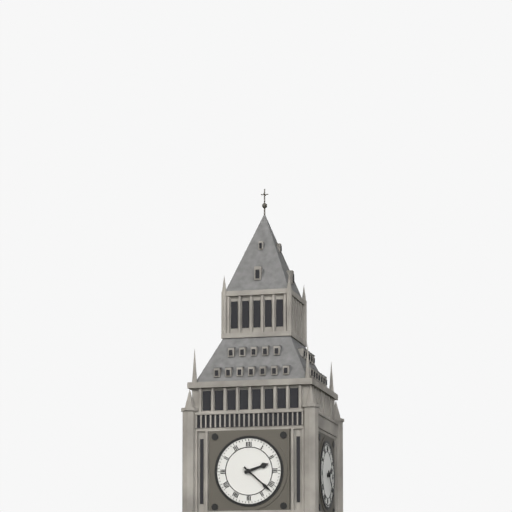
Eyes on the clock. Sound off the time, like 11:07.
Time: 2:22
